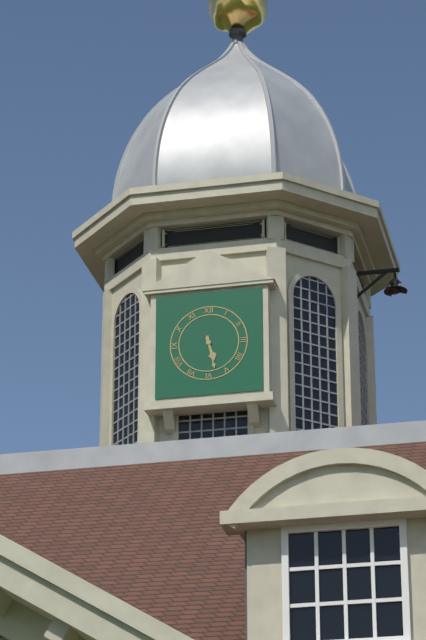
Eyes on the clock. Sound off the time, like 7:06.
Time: 5:28
